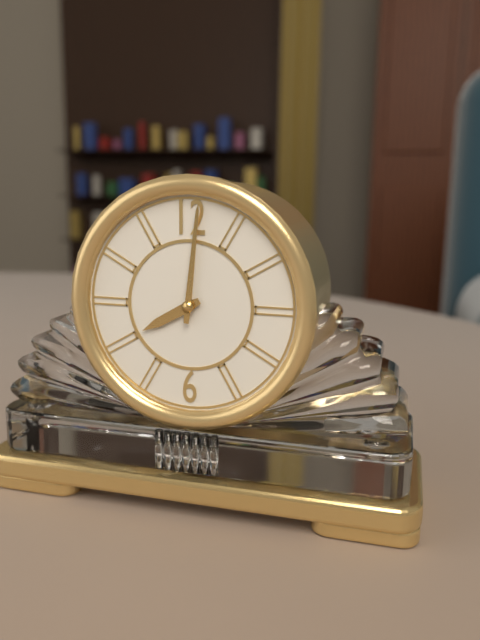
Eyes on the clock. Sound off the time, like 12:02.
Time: 8:01
